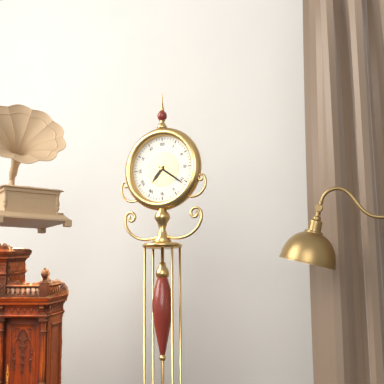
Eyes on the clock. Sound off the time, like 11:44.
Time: 7:21
